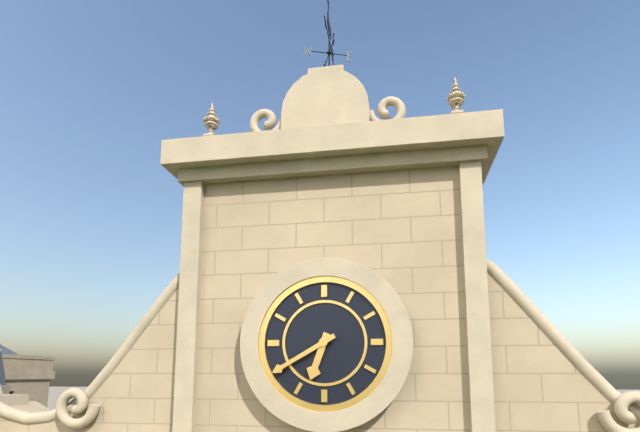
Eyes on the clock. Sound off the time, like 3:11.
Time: 6:40
